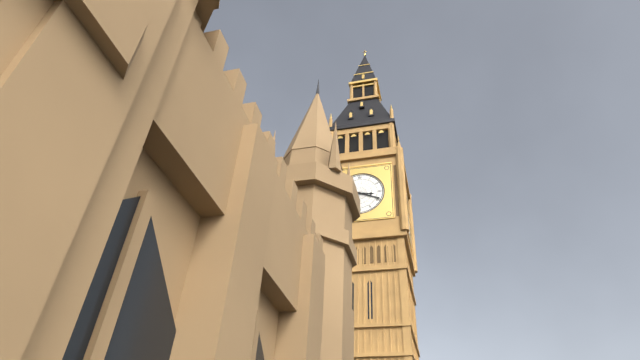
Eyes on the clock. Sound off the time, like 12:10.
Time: 3:19
